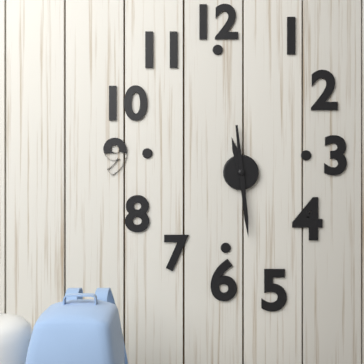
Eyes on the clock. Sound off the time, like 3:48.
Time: 11:29
